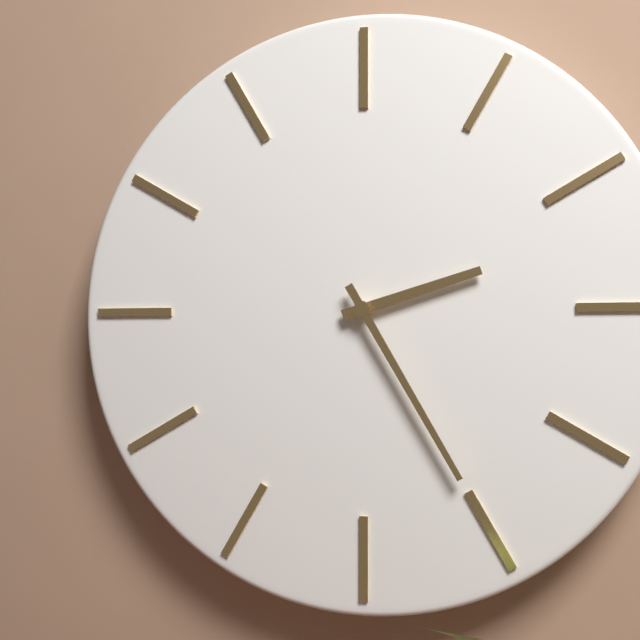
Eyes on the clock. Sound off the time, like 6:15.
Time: 2:25
